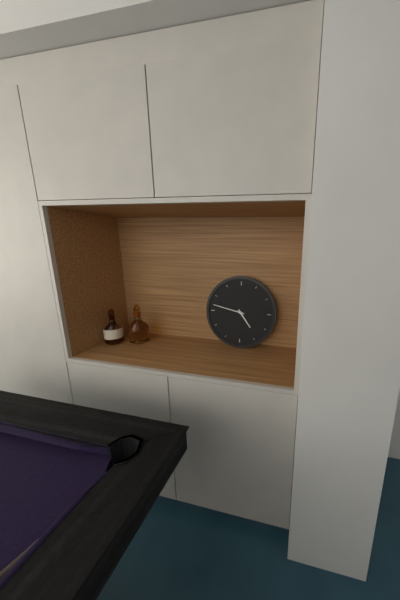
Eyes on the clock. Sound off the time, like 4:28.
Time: 4:47
